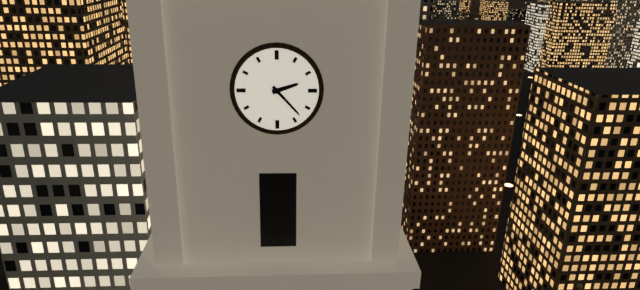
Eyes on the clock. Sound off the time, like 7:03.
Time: 2:23
